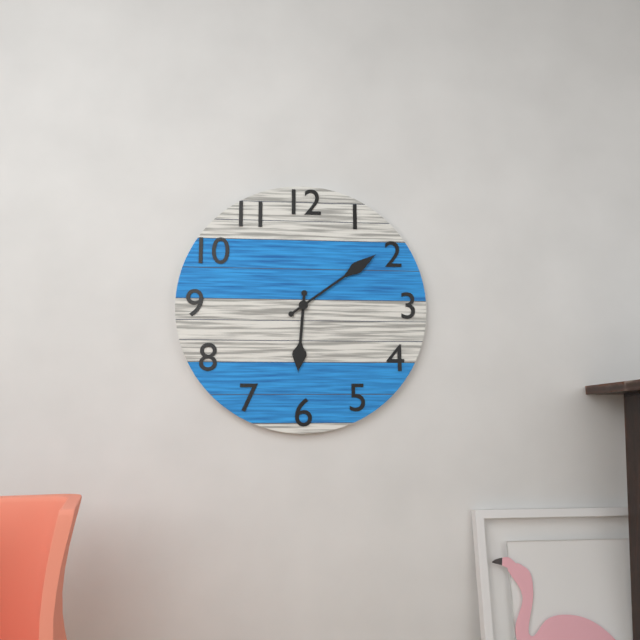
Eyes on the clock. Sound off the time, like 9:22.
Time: 6:09
